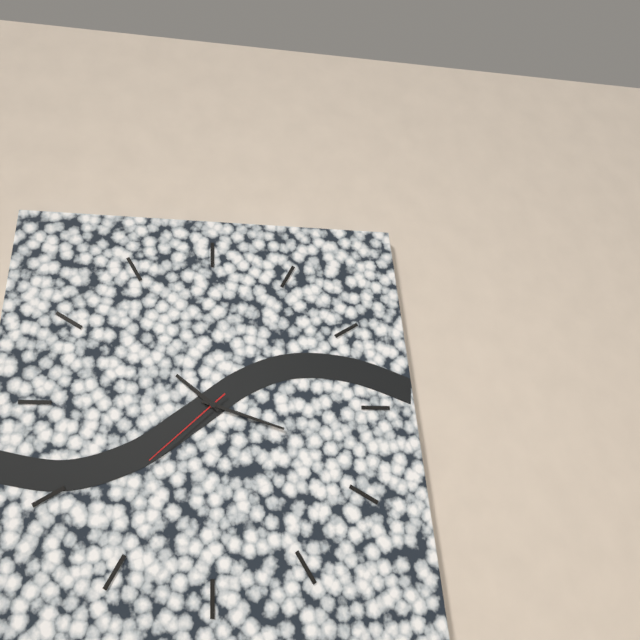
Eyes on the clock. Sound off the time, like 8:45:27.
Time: 10:18:38
